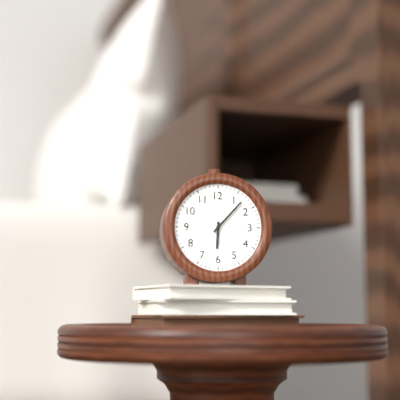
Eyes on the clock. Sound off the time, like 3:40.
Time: 6:07
